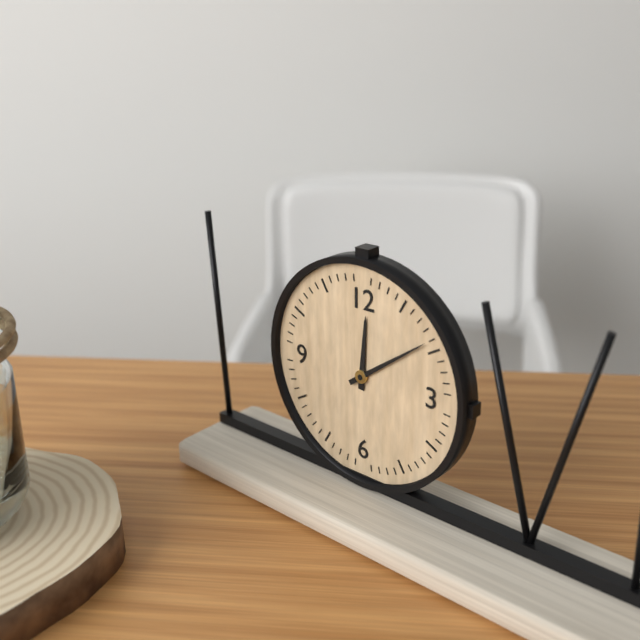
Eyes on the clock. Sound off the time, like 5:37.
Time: 12:09
